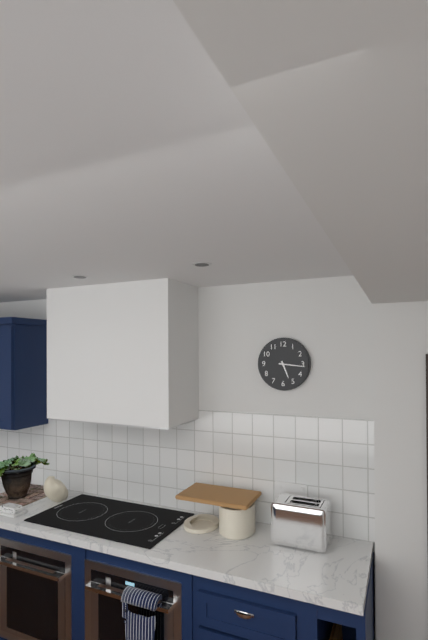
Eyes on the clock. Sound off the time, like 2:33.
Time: 5:16
